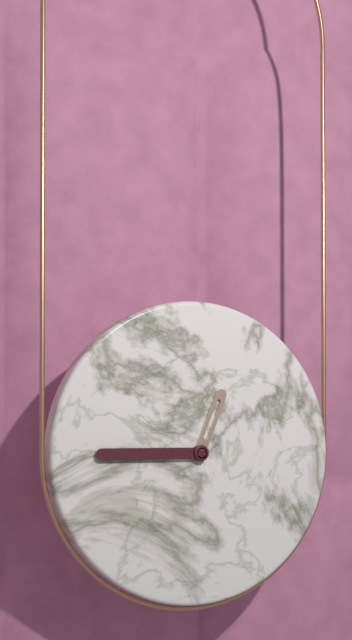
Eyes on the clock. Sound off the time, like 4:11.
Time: 12:45
